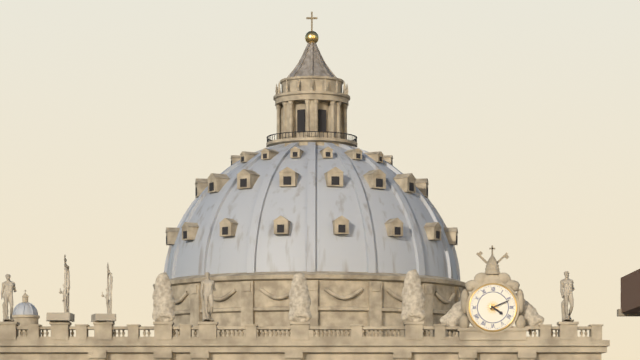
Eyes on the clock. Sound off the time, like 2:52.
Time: 4:11
